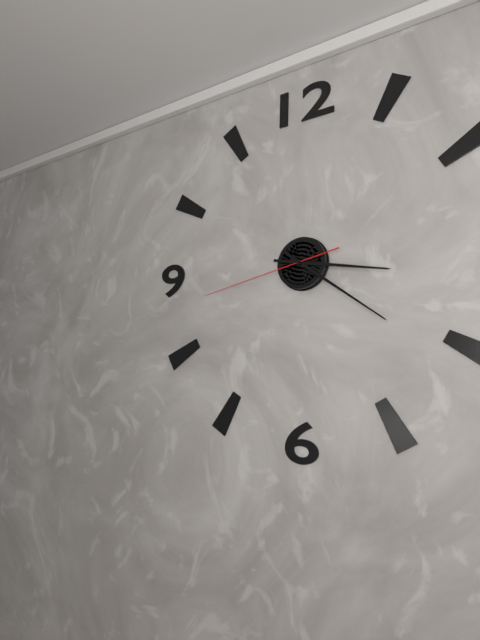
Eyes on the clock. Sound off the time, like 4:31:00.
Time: 3:21:43
